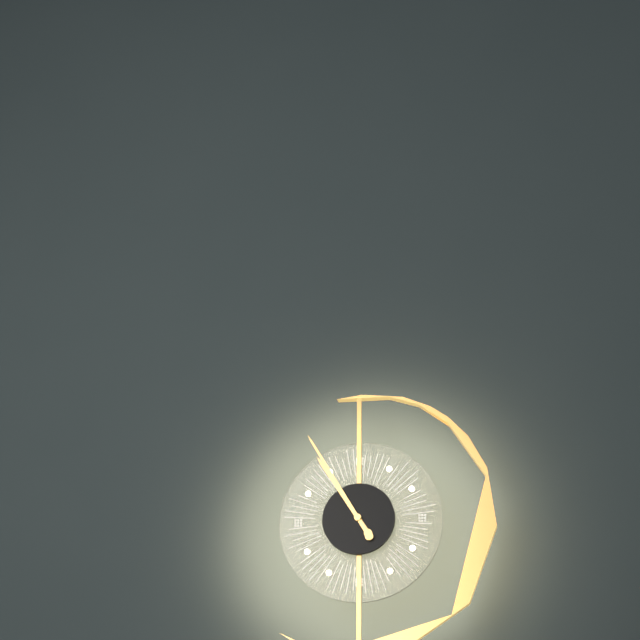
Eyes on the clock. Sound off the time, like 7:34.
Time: 10:55
